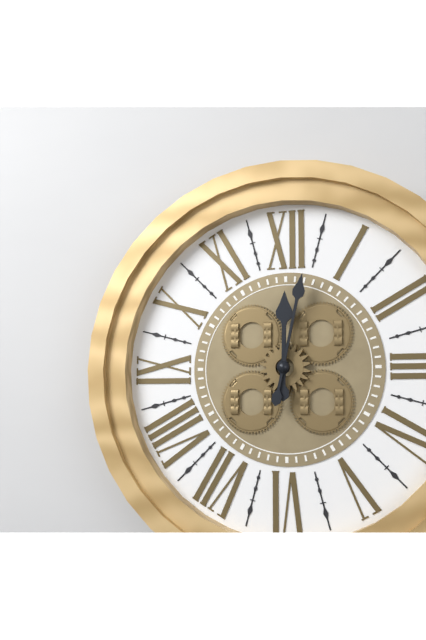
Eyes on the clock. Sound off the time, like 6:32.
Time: 12:02
